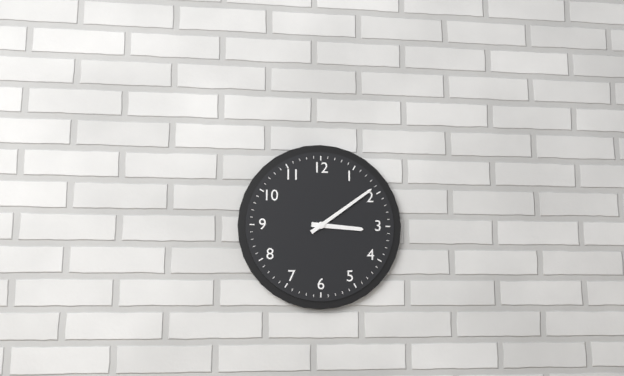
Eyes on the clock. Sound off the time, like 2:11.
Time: 3:09
